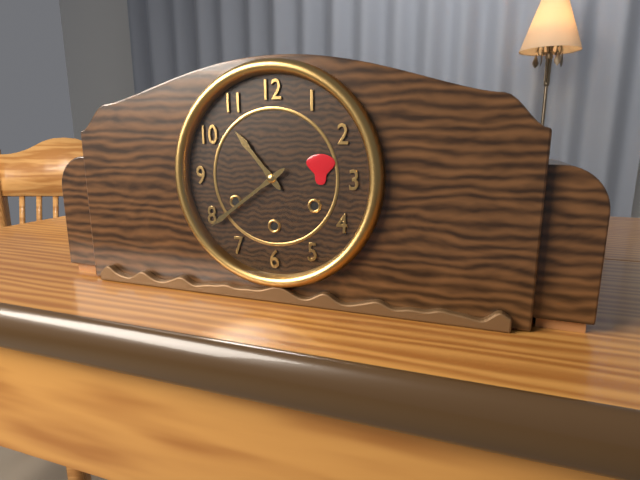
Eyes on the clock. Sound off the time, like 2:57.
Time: 10:39
